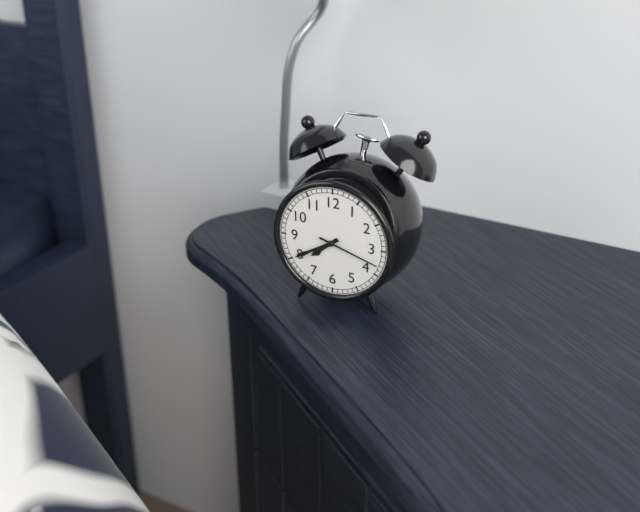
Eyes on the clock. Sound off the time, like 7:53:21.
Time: 7:40:18
